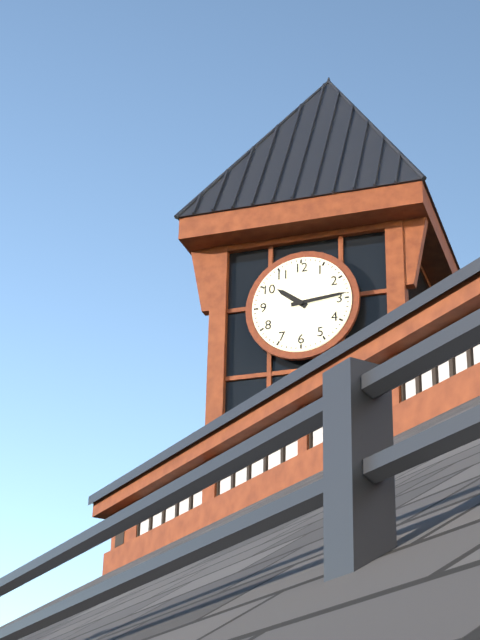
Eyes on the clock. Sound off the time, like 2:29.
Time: 10:14
